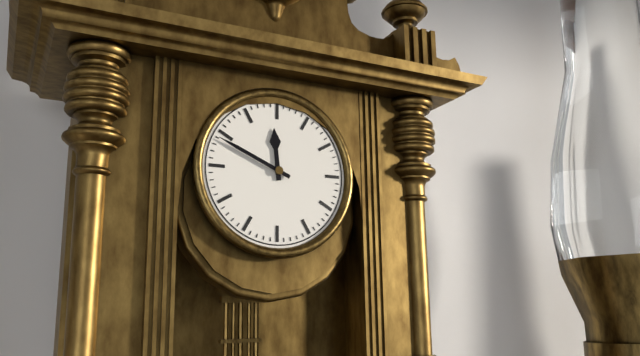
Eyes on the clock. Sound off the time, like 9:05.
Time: 11:49
